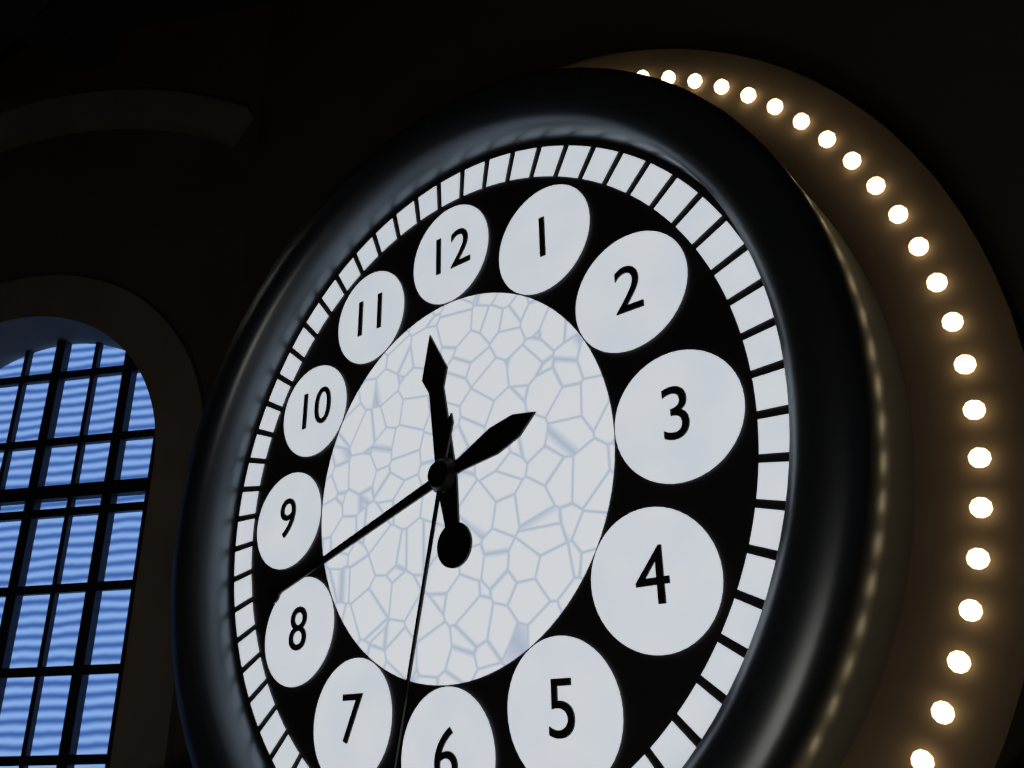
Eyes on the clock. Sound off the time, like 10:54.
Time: 11:42
